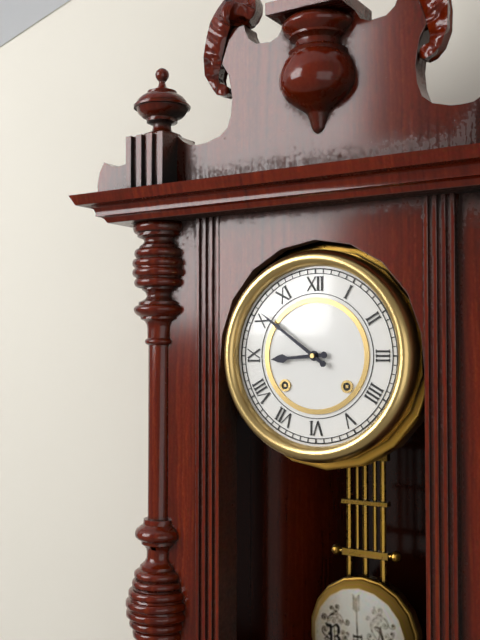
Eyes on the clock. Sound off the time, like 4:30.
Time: 8:51
